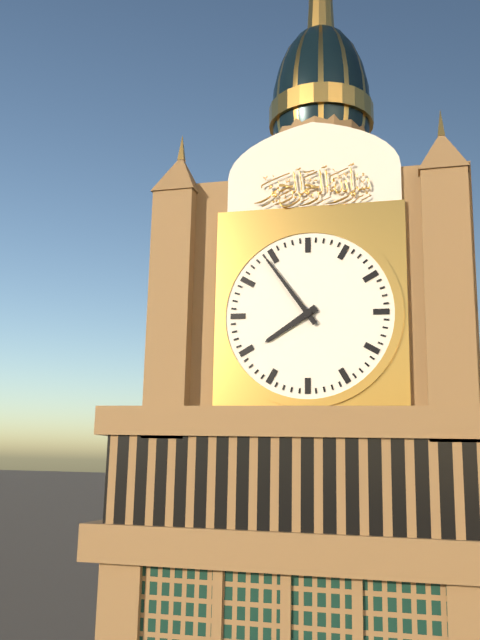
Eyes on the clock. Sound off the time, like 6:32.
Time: 7:54
